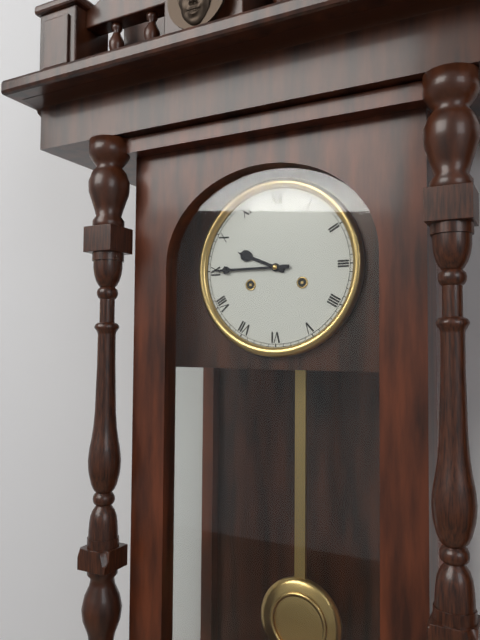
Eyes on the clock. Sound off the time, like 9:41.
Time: 9:45
